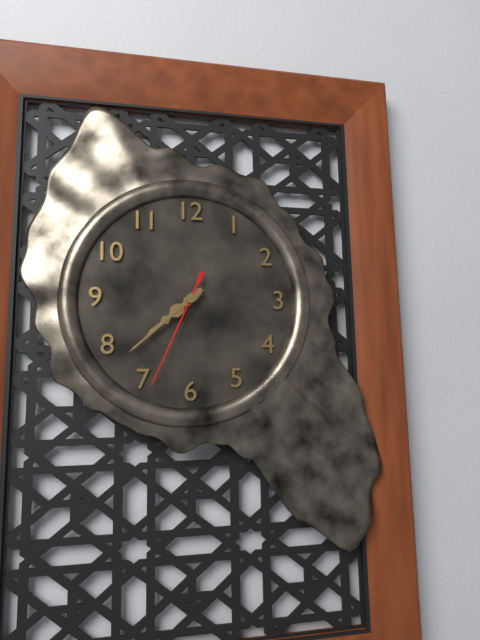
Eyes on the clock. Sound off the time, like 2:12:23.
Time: 7:38:34
